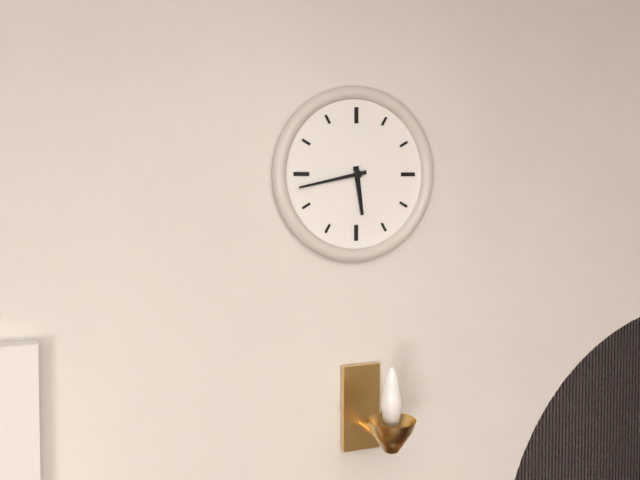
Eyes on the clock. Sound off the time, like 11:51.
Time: 5:43
